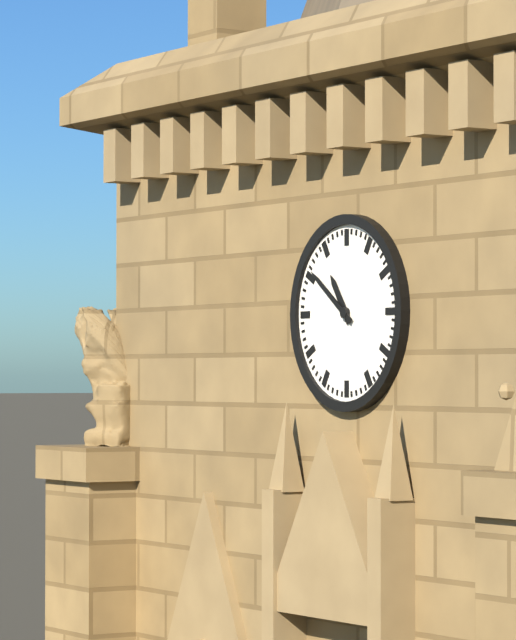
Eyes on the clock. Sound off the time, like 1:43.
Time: 10:51
